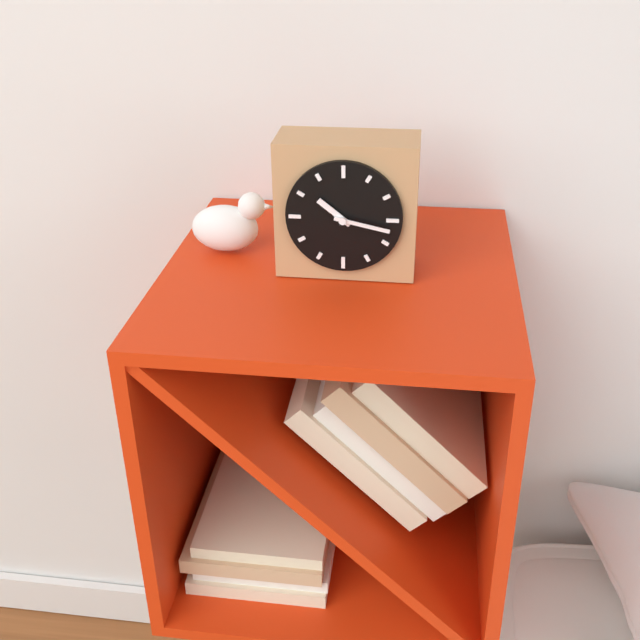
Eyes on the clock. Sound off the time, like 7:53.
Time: 10:17
